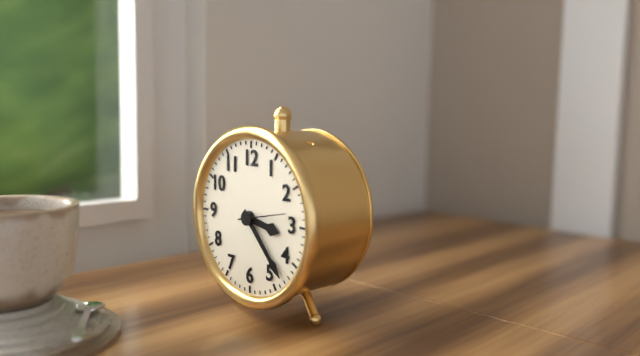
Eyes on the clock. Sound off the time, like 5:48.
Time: 3:23
